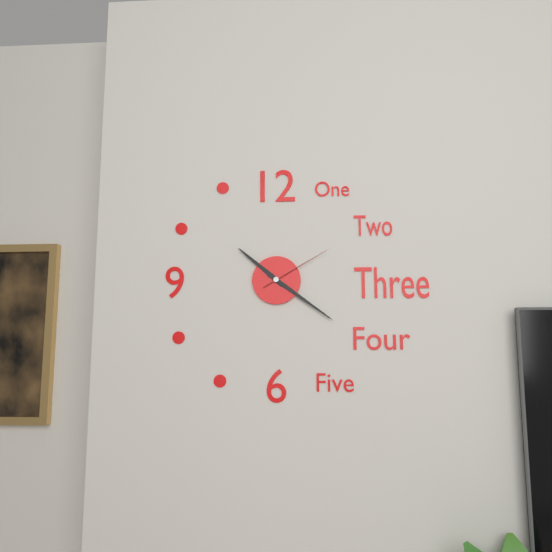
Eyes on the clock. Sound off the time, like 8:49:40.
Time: 10:21:10
